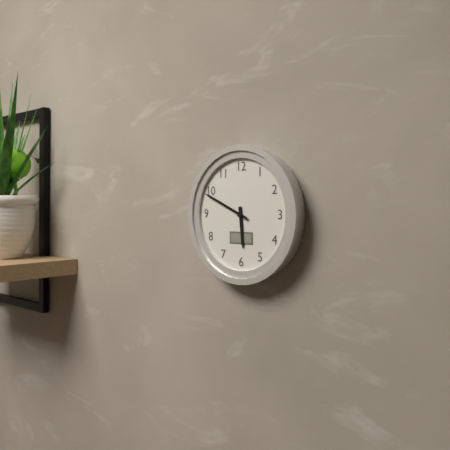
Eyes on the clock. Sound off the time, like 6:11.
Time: 5:49
